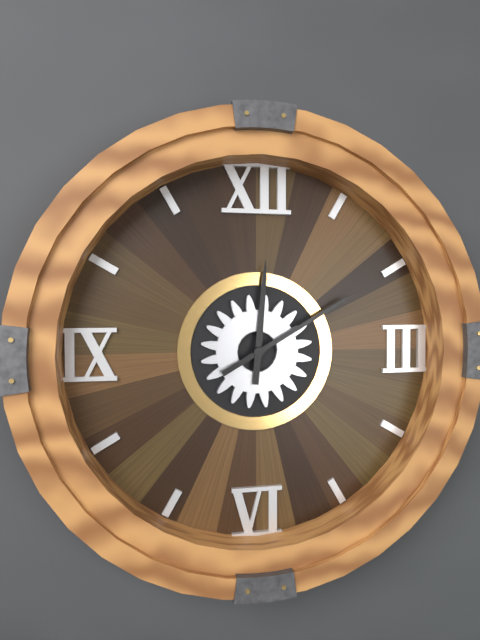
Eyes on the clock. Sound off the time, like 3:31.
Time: 12:10
